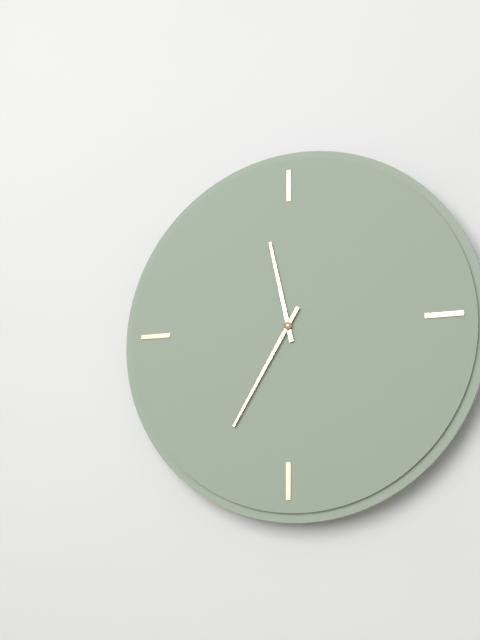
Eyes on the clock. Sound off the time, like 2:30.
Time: 11:35
